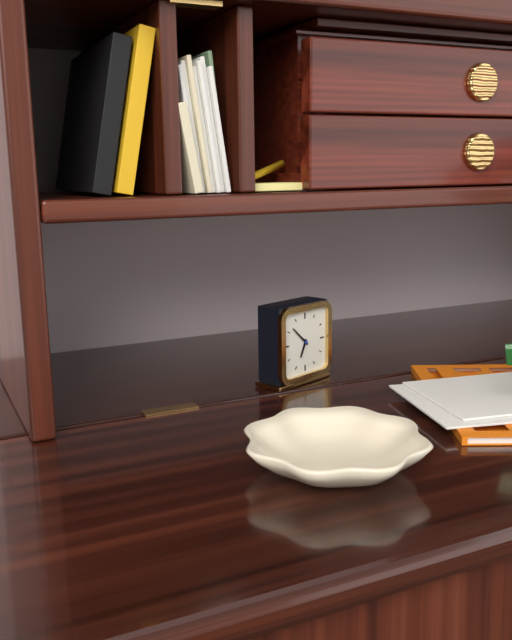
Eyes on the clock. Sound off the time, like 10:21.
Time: 6:52
